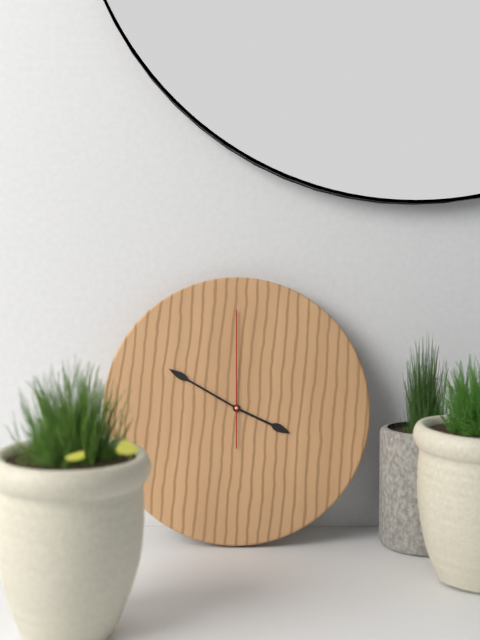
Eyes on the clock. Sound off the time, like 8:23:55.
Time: 3:50:00
